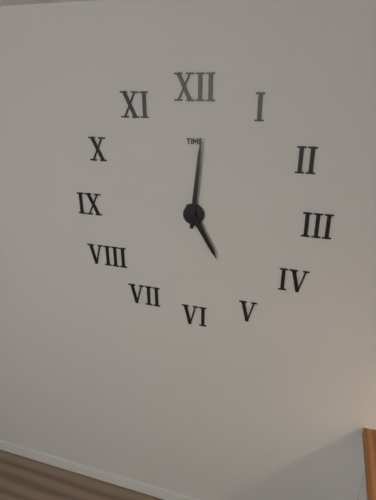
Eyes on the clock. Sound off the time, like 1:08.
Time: 5:01
